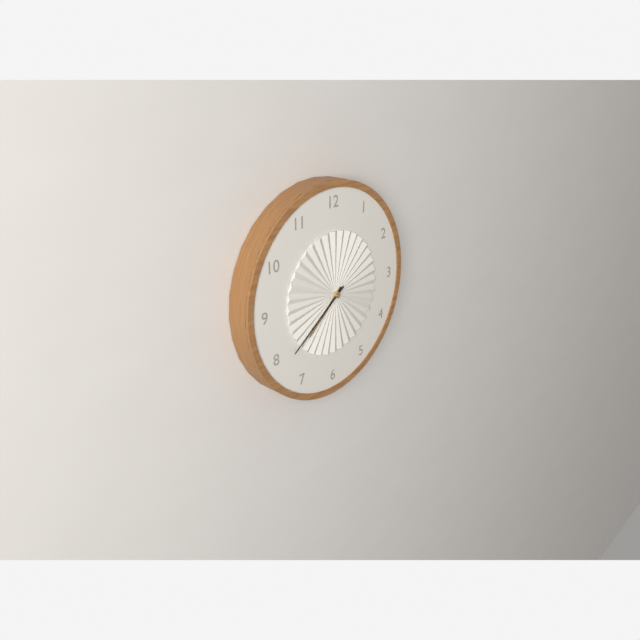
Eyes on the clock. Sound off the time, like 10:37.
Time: 7:39
